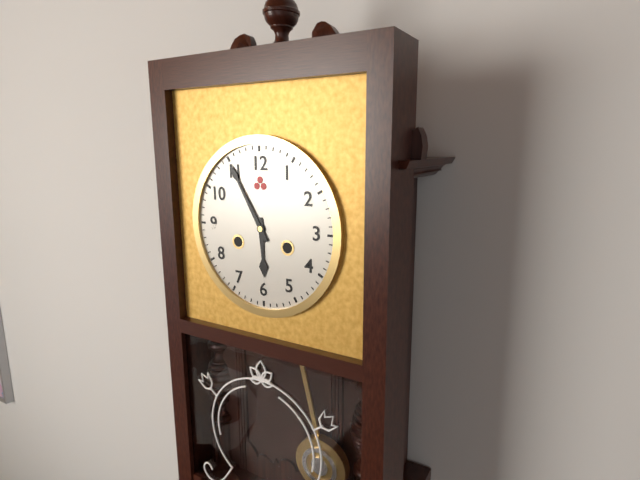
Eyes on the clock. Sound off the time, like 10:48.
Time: 5:55
